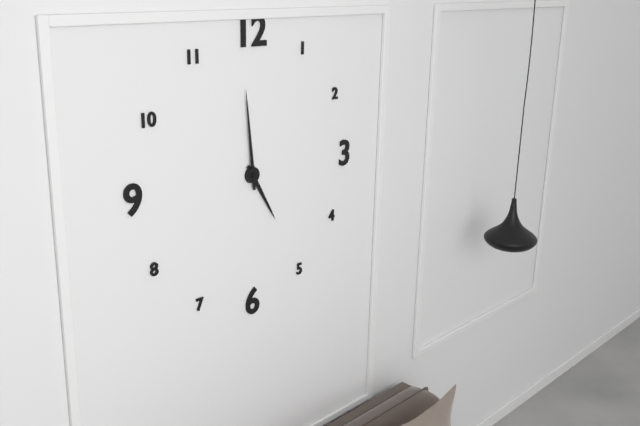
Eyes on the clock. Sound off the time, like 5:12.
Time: 4:59
